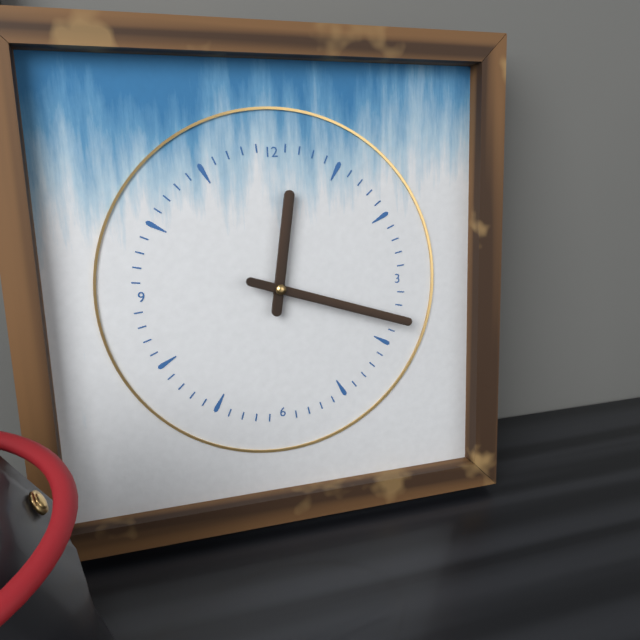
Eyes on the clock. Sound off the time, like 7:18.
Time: 12:18
